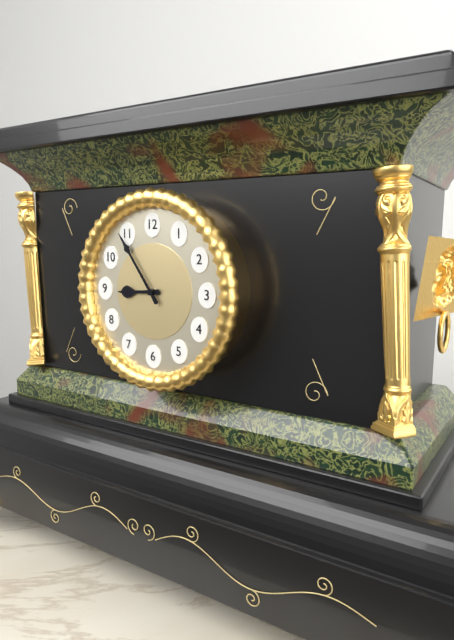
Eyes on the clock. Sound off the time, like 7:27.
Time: 8:54
